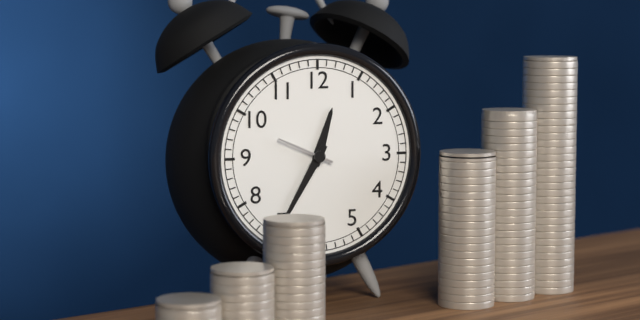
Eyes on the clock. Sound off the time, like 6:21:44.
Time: 12:35:49
